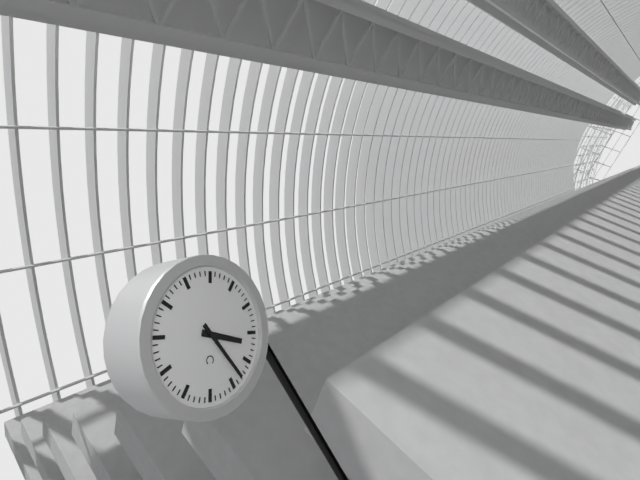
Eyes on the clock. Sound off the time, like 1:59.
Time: 3:23
